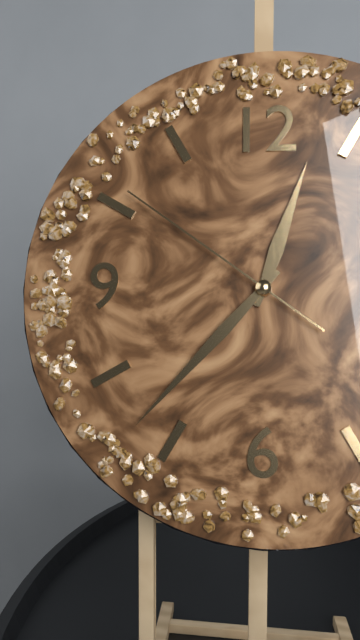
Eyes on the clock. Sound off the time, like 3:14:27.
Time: 12:37:51
